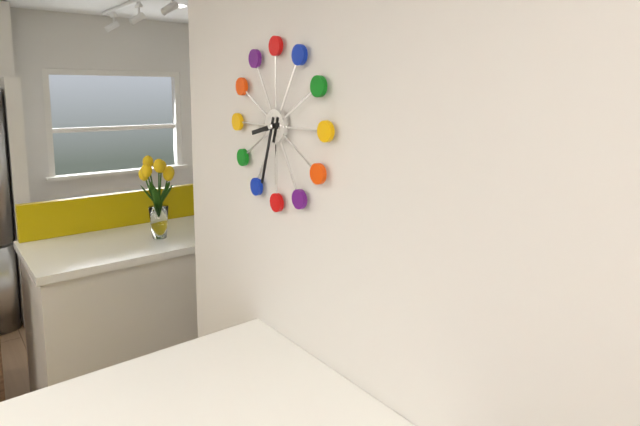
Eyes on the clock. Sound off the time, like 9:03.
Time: 8:33
